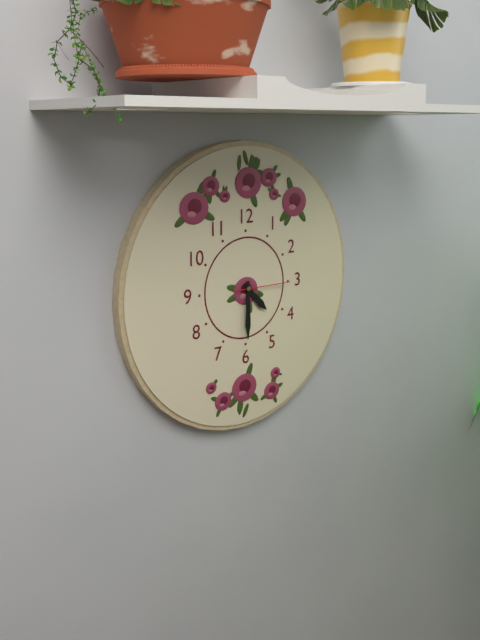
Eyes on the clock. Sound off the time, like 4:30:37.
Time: 4:30:15
